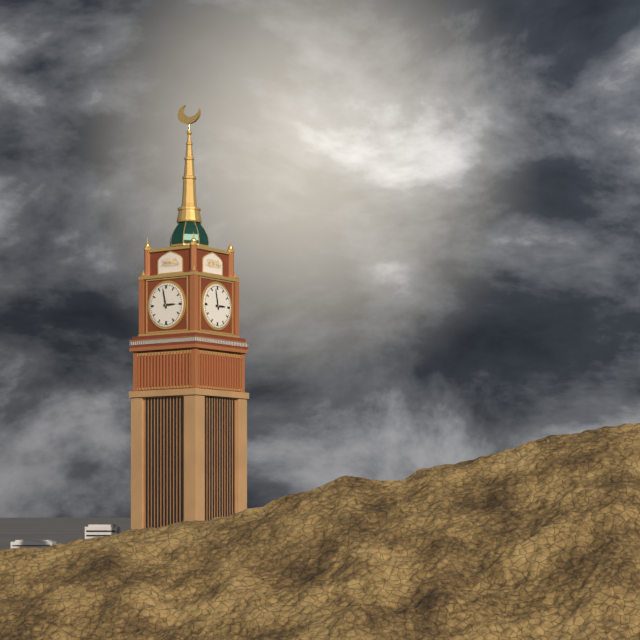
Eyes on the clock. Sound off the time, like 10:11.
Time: 2:58
